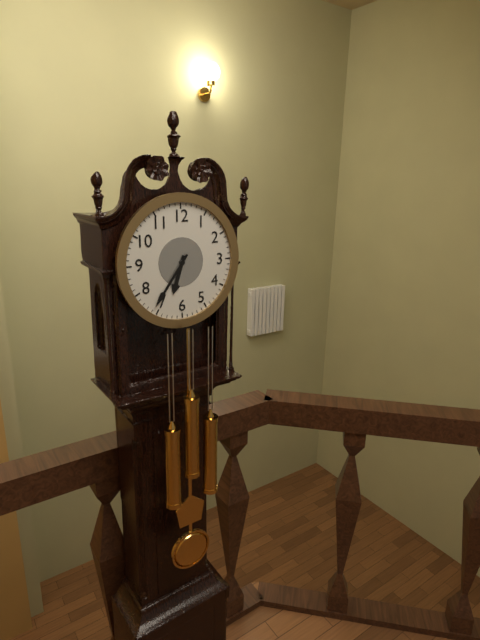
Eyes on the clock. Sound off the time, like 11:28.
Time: 6:36
